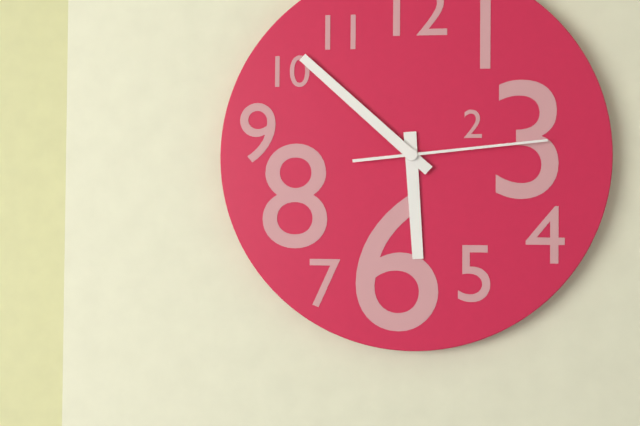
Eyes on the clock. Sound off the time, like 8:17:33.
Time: 5:52:14
